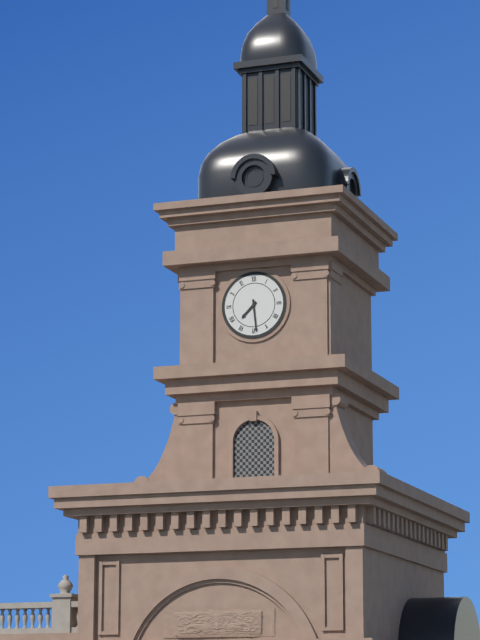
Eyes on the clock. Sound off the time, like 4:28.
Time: 7:29
